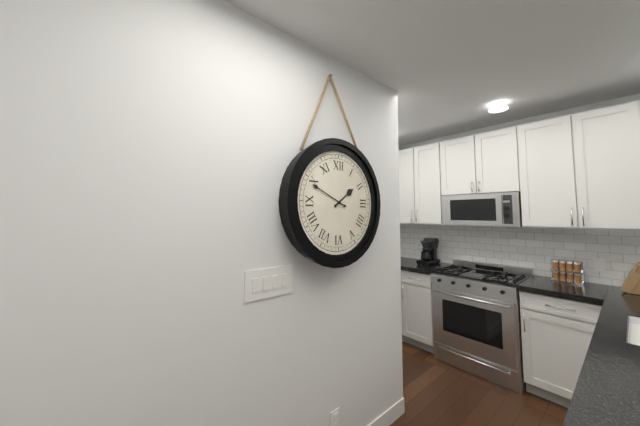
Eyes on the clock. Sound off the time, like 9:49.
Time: 1:49
